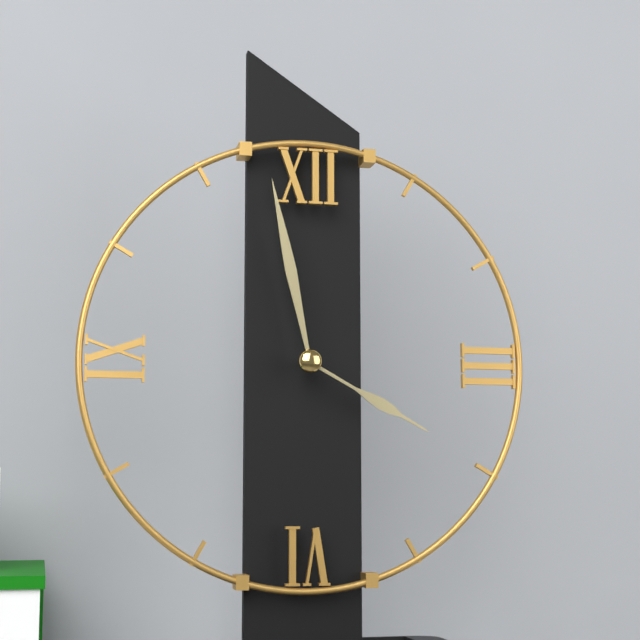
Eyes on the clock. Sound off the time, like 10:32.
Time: 3:58
